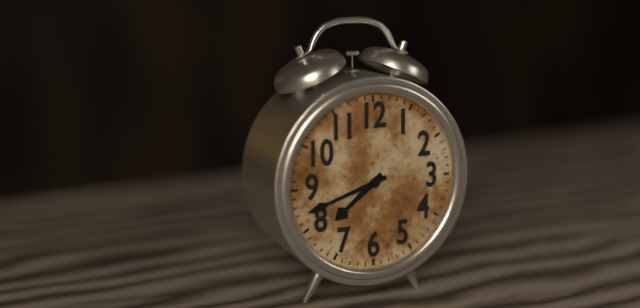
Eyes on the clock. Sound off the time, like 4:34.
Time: 7:42
